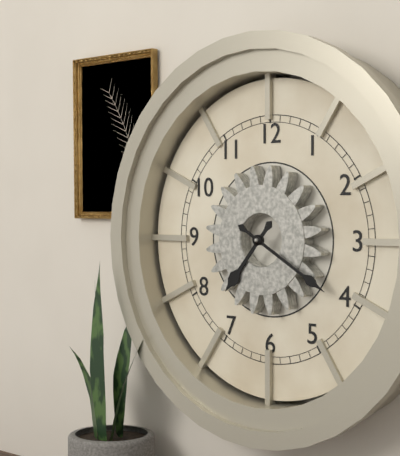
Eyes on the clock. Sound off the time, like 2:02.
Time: 7:20
